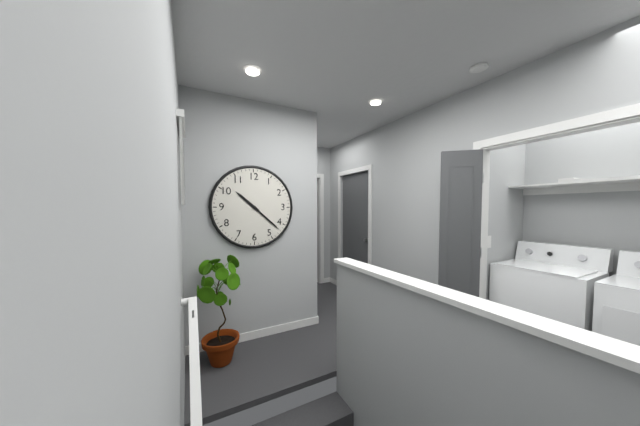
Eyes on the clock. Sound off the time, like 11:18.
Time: 10:22
